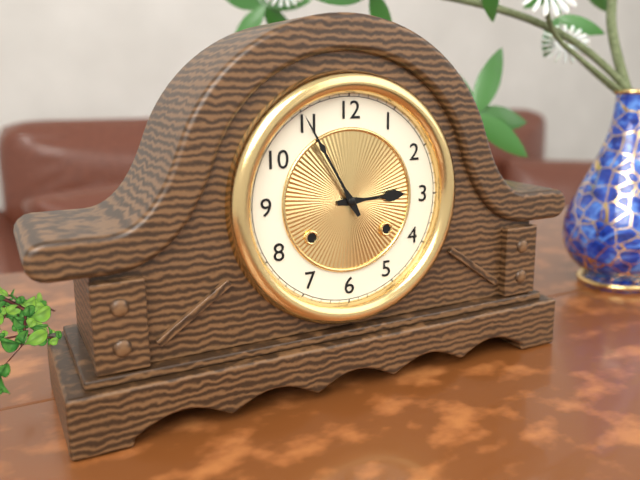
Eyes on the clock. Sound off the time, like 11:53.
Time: 2:55
